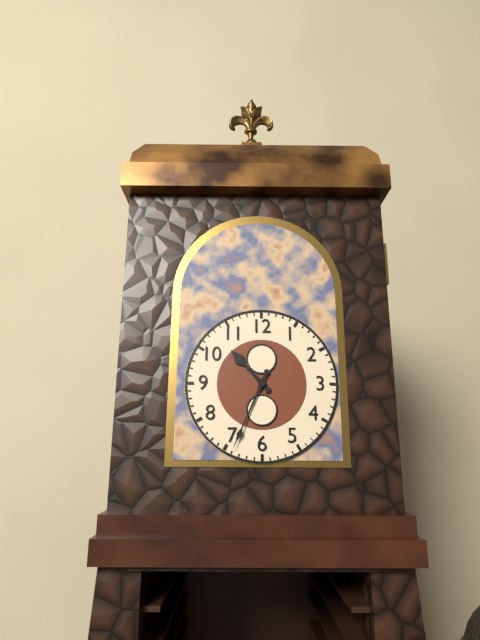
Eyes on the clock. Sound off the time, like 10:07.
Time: 10:34
